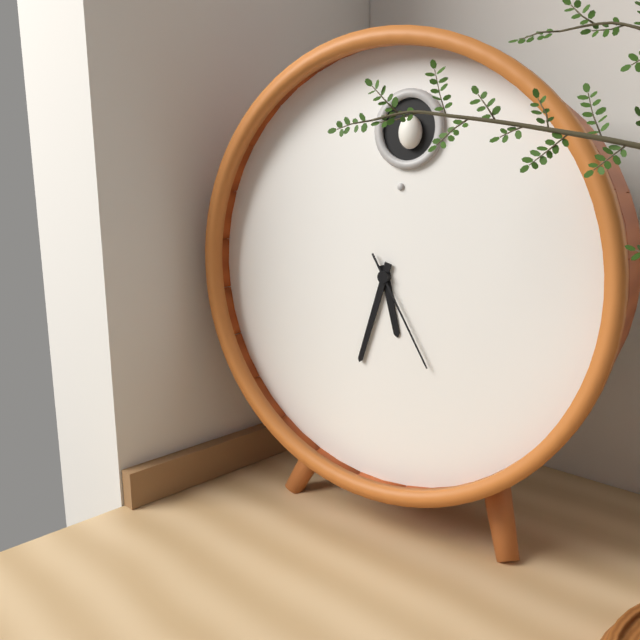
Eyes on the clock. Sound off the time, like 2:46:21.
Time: 5:33:25
